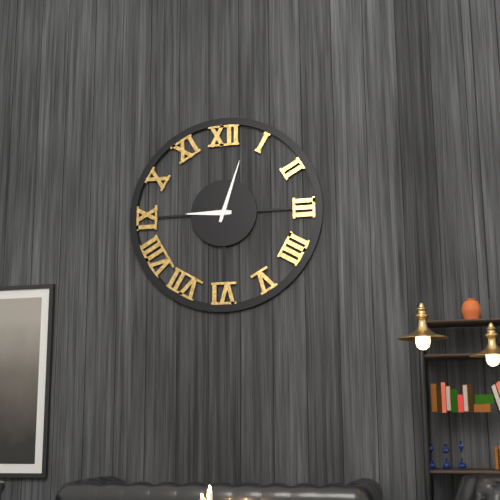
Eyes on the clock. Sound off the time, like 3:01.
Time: 9:03
